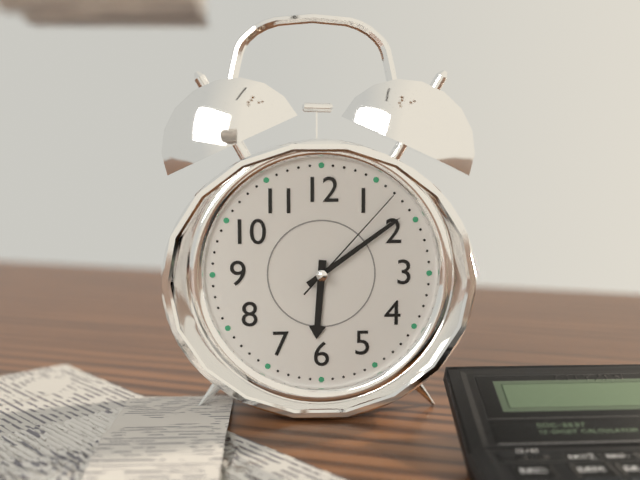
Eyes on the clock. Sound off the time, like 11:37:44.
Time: 6:09:07
